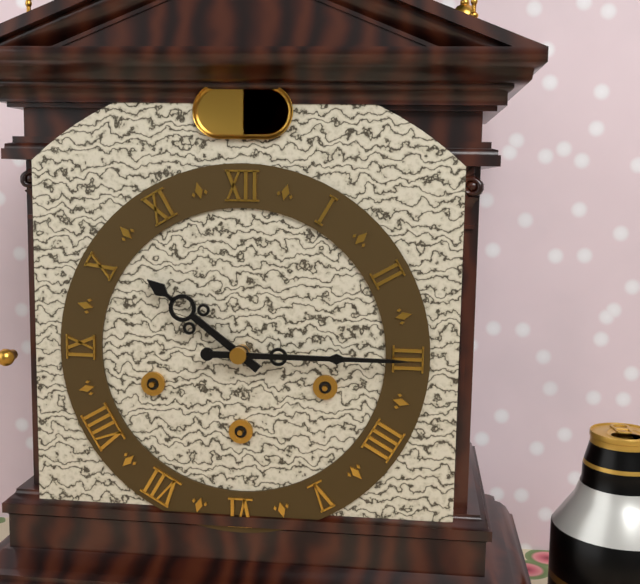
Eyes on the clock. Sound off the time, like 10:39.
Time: 10:15
